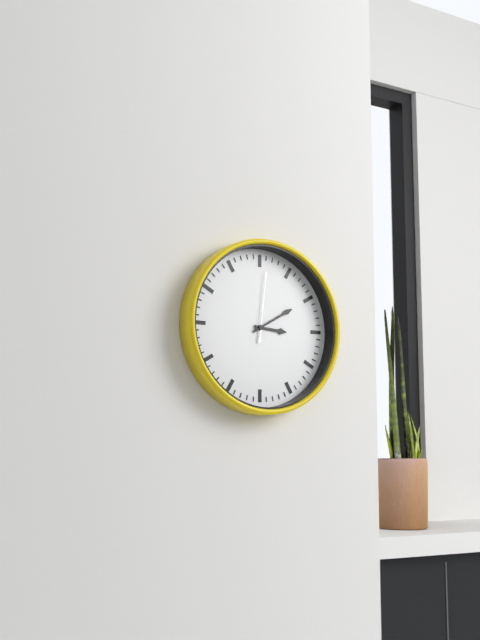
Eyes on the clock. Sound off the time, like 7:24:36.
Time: 3:10:01
